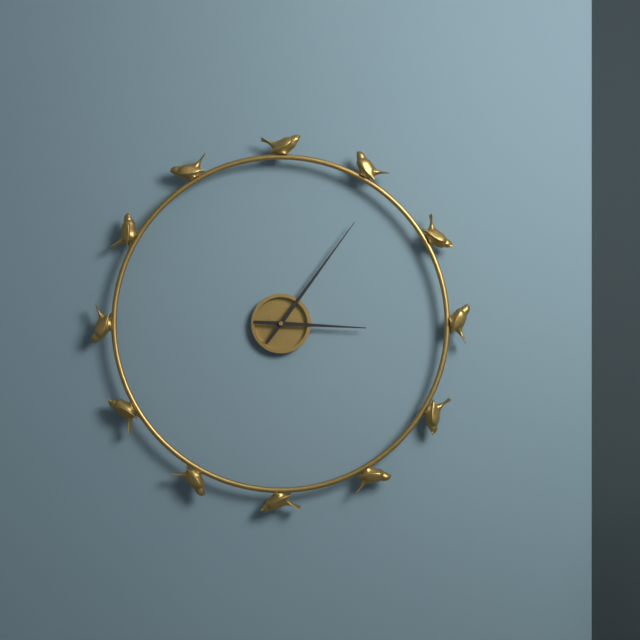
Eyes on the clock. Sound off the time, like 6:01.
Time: 3:06
